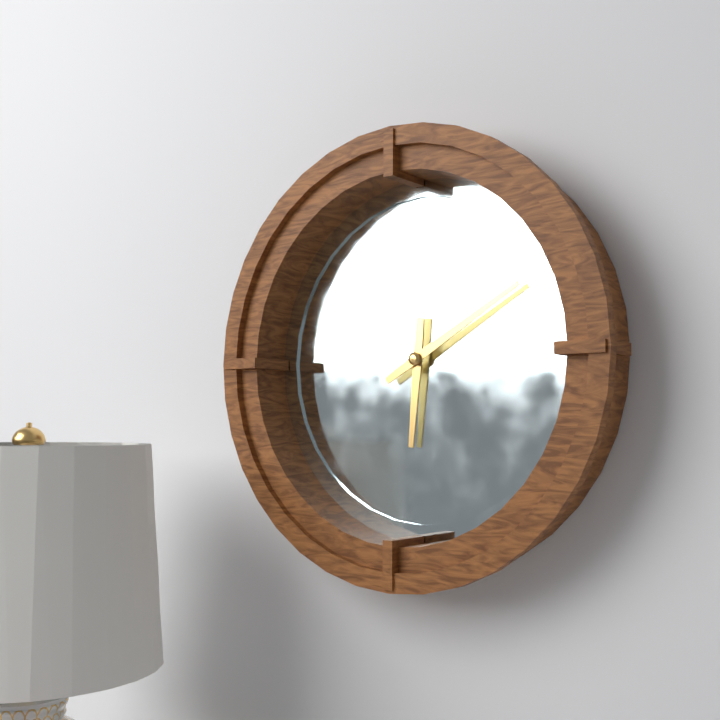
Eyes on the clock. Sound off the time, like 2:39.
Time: 6:10
